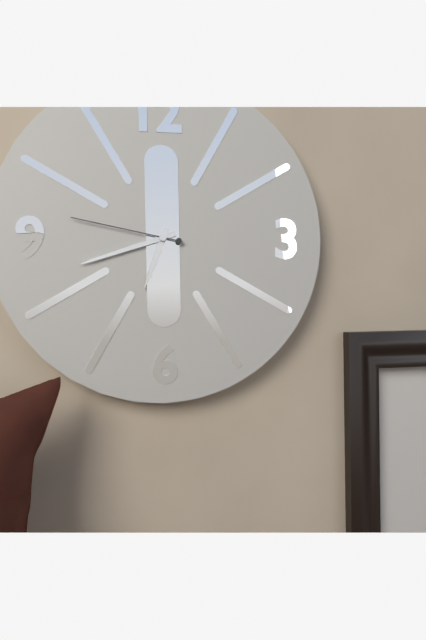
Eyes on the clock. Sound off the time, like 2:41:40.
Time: 6:42:47
